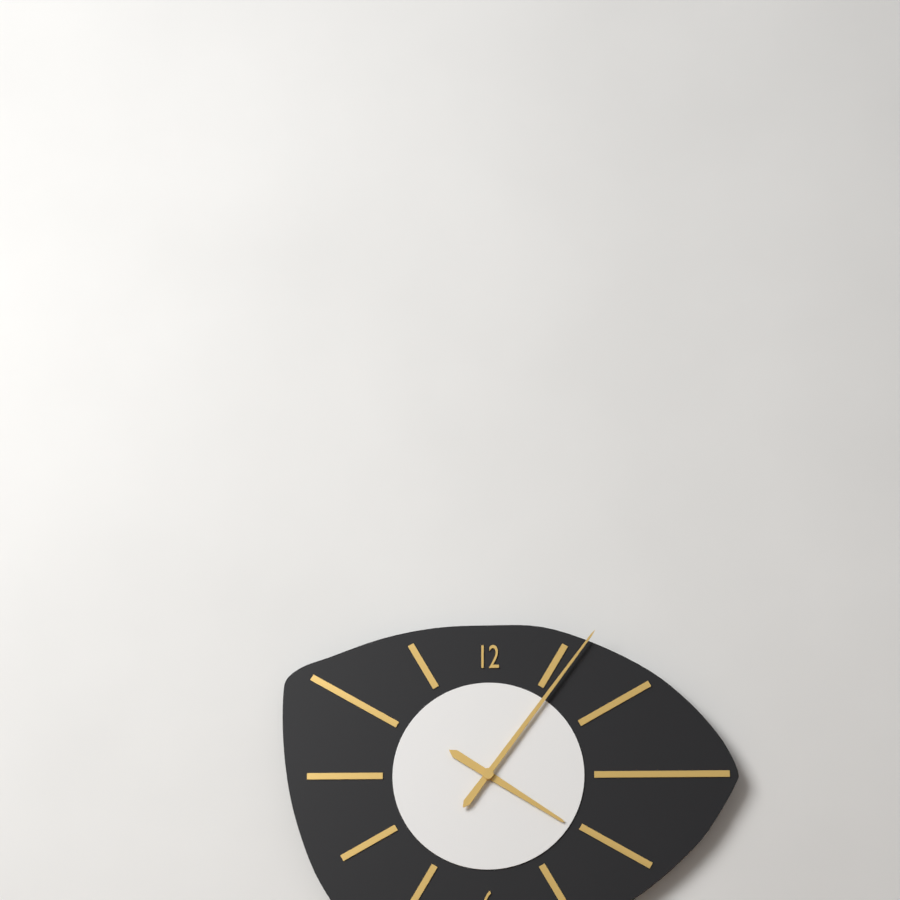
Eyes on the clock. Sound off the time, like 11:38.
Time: 4:06
